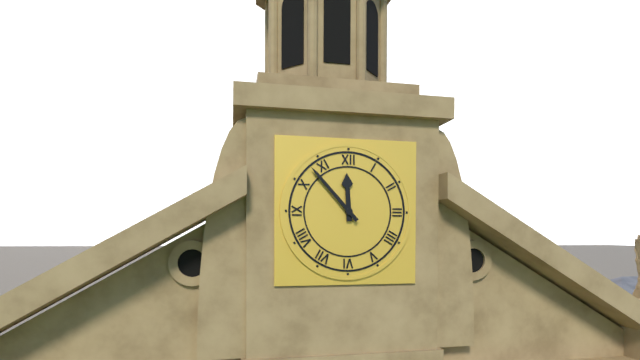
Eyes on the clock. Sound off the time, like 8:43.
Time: 11:53
